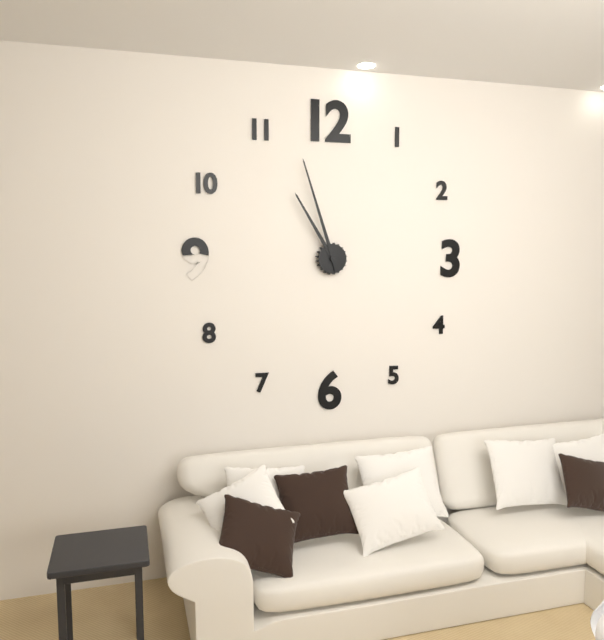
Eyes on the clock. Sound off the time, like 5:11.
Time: 10:57
